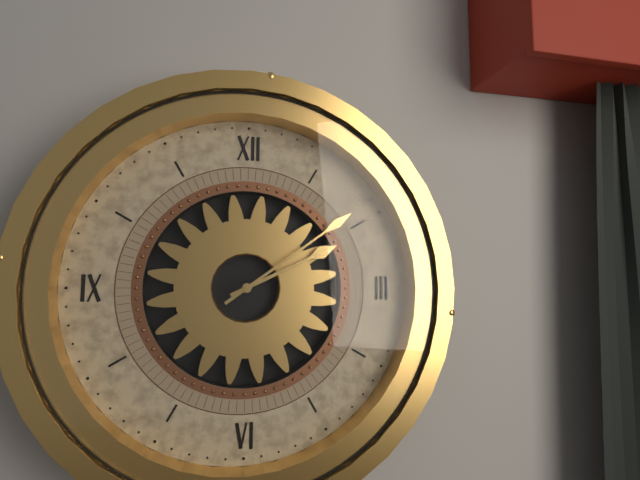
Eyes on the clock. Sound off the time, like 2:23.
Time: 2:09
